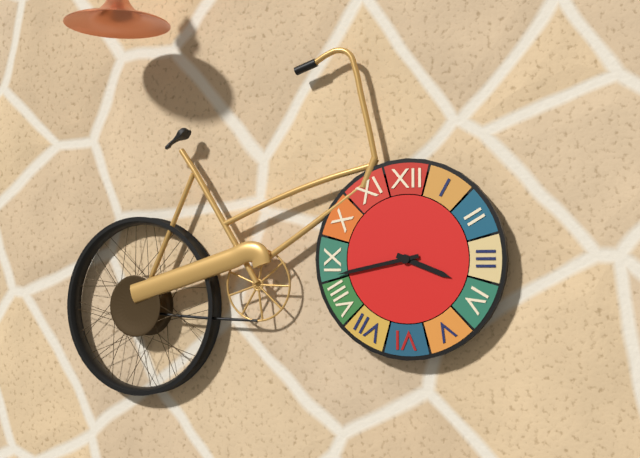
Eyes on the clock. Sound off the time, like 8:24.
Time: 3:43
